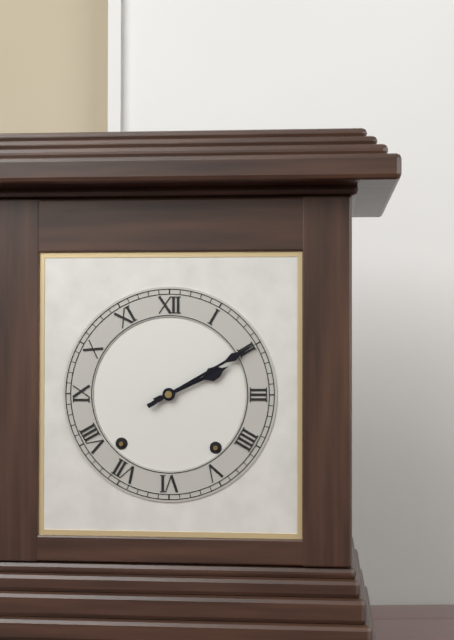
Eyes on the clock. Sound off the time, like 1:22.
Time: 2:10
